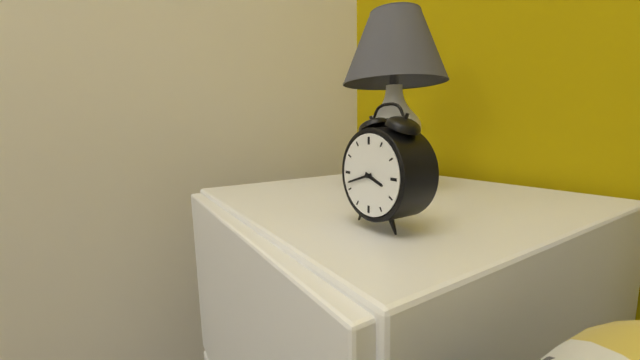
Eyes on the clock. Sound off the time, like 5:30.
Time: 3:42
